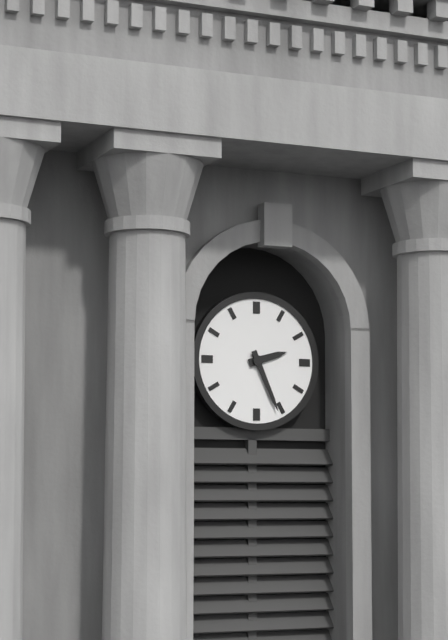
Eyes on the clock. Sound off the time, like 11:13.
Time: 2:26
